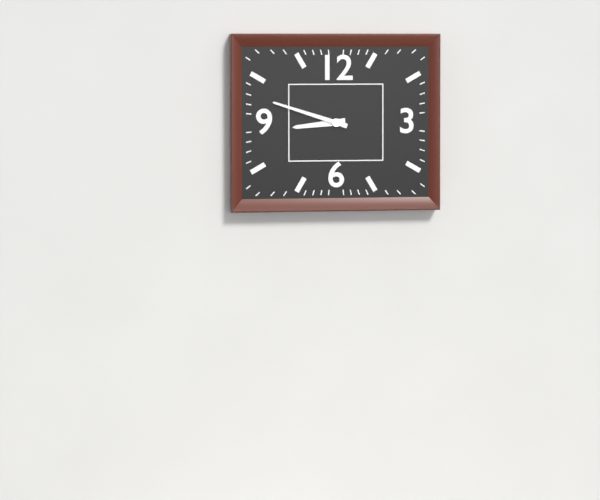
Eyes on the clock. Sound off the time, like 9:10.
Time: 8:48
